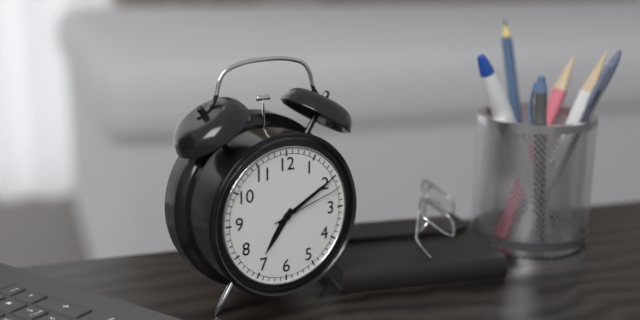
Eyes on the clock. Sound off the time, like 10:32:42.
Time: 7:10:12
